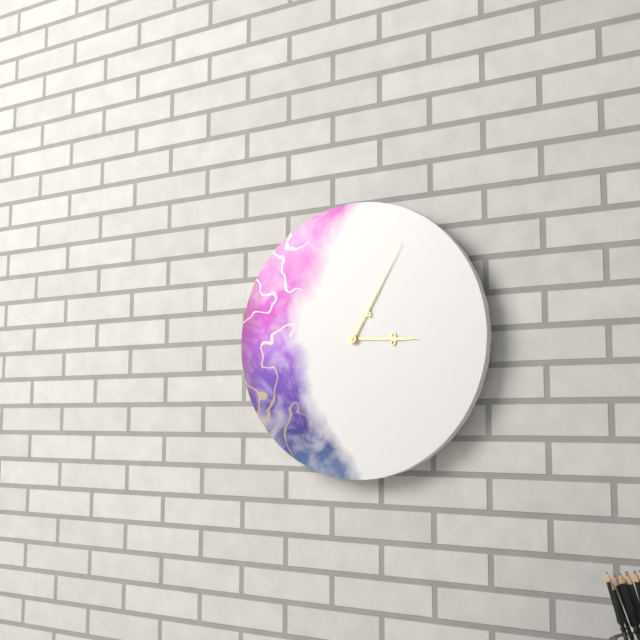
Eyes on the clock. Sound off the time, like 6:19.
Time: 3:05
